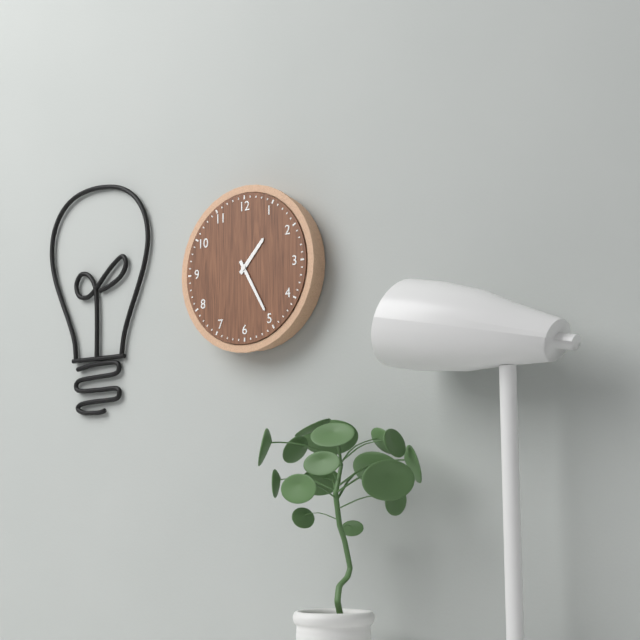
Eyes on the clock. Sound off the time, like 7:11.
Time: 1:25
